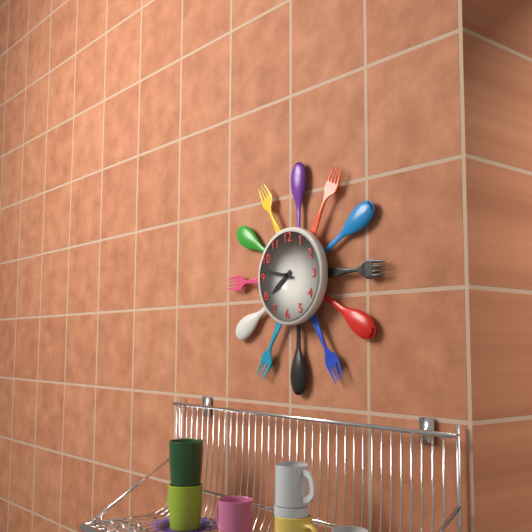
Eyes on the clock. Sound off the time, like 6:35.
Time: 7:47
